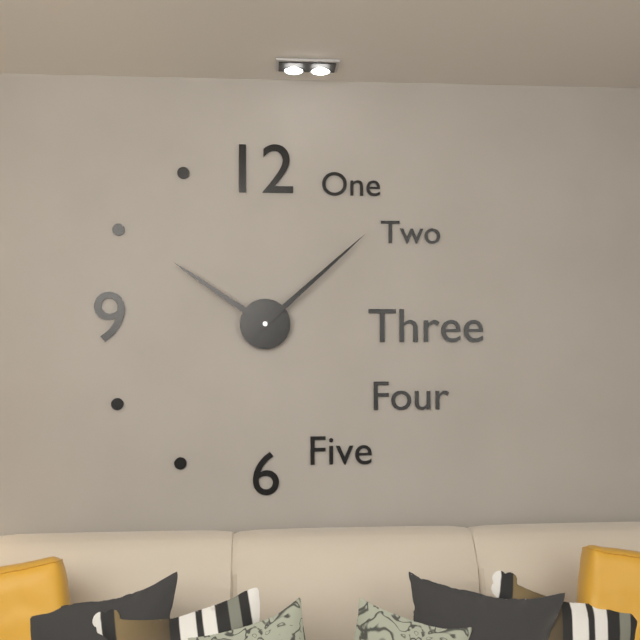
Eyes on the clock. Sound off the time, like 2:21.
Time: 10:08
